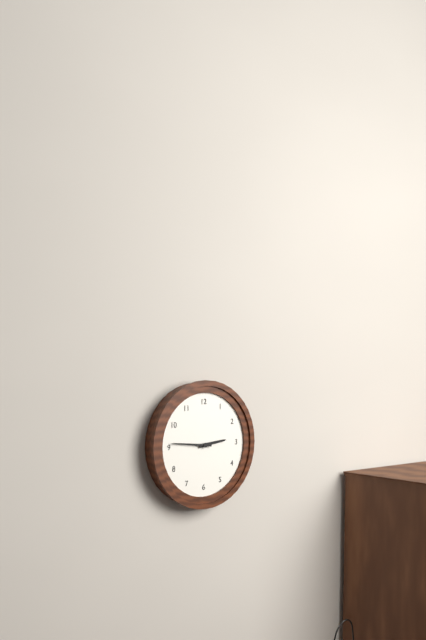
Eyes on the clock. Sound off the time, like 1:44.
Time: 2:46
